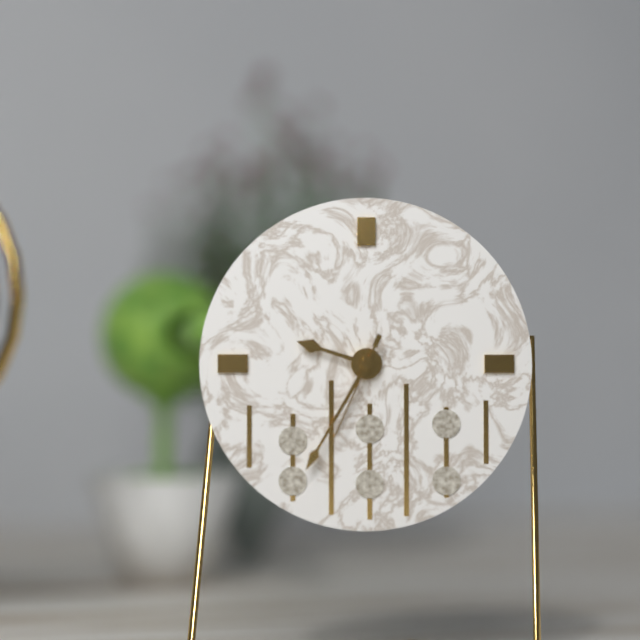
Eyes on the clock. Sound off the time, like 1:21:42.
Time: 9:35:34
